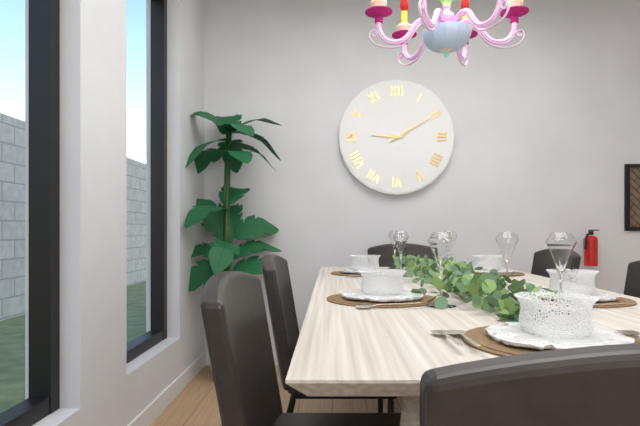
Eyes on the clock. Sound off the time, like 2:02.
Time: 9:10
